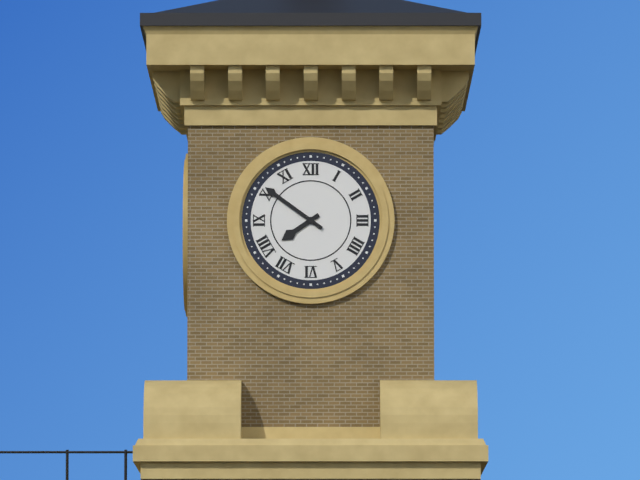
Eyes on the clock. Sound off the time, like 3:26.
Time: 7:51
